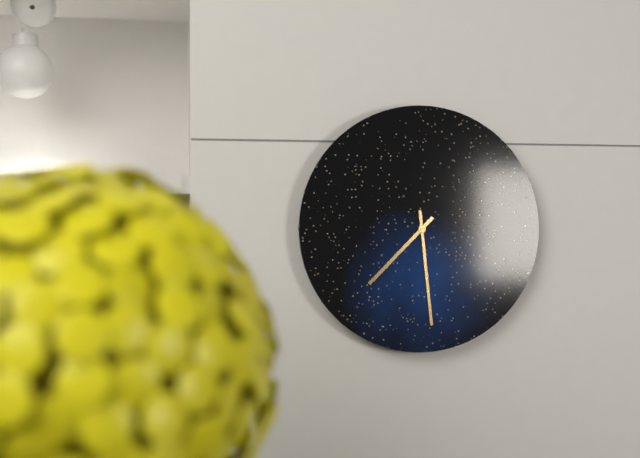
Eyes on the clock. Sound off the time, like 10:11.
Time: 7:29
